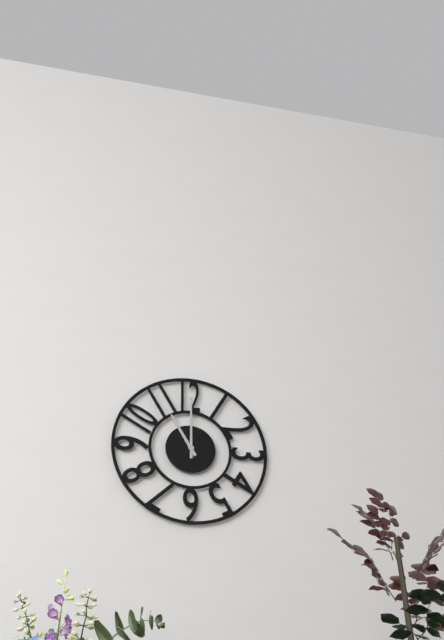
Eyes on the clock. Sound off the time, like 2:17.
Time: 11:00
